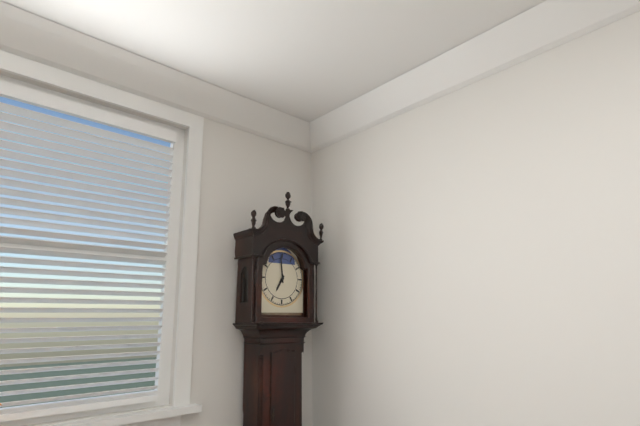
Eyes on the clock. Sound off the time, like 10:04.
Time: 6:59
